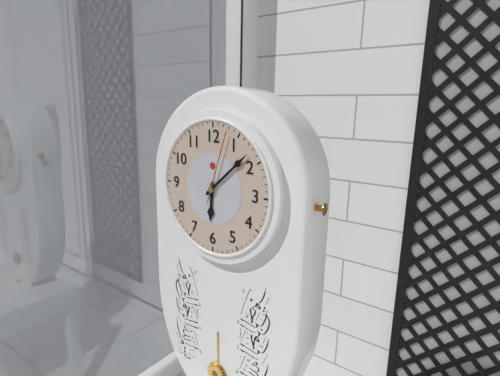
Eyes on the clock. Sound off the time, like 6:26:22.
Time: 6:08:03
